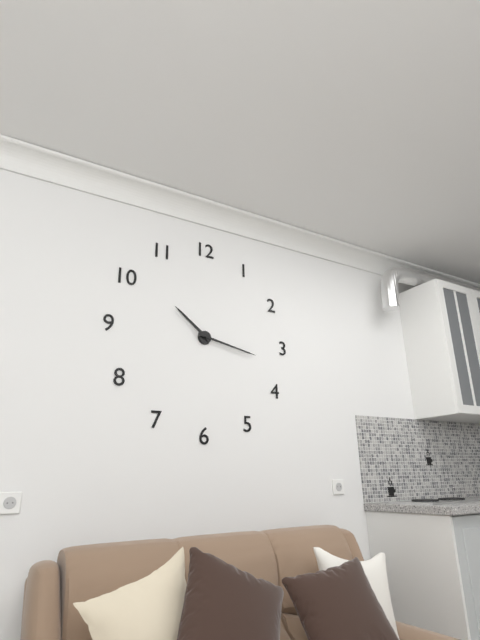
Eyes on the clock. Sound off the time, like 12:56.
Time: 10:17
